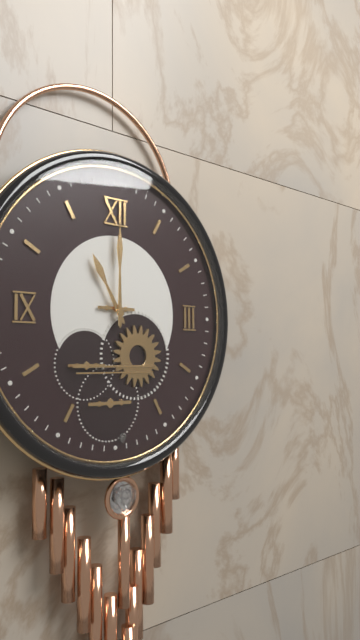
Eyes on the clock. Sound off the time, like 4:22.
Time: 11:00
